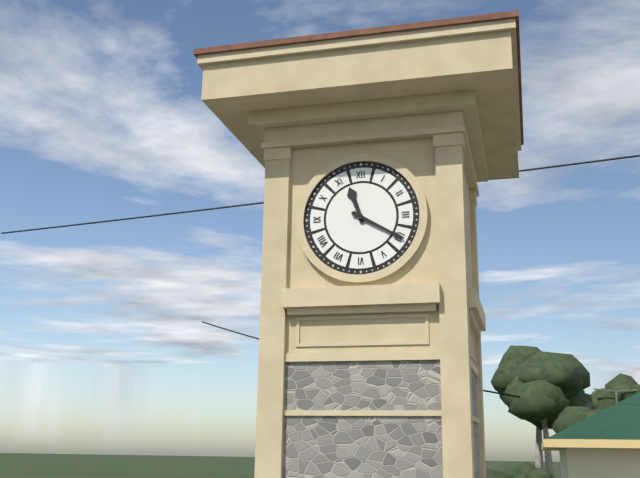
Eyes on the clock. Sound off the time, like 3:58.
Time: 11:20
